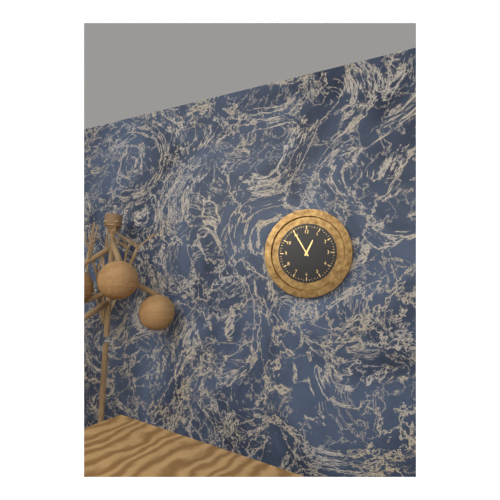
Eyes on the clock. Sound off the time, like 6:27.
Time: 12:55
